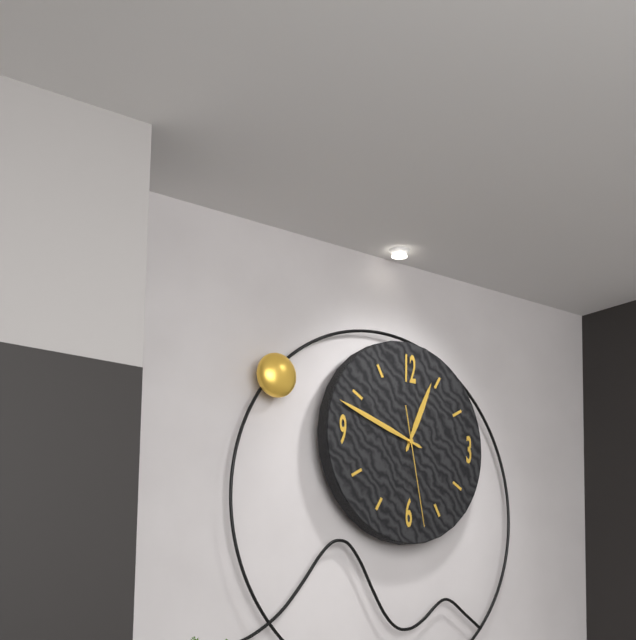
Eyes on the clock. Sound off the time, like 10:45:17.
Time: 12:48:28
